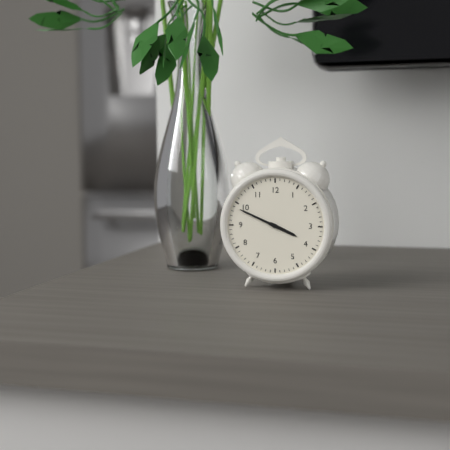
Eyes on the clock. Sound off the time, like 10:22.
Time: 3:49
